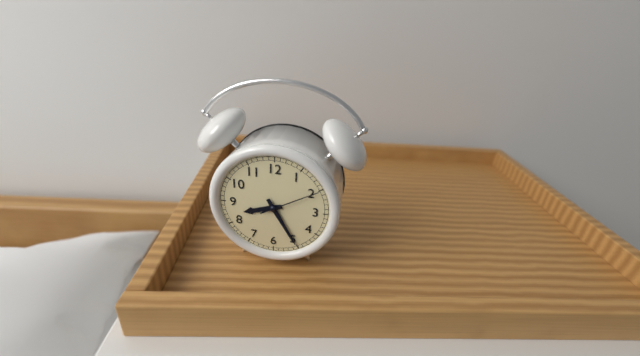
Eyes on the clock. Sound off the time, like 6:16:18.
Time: 8:25:10
